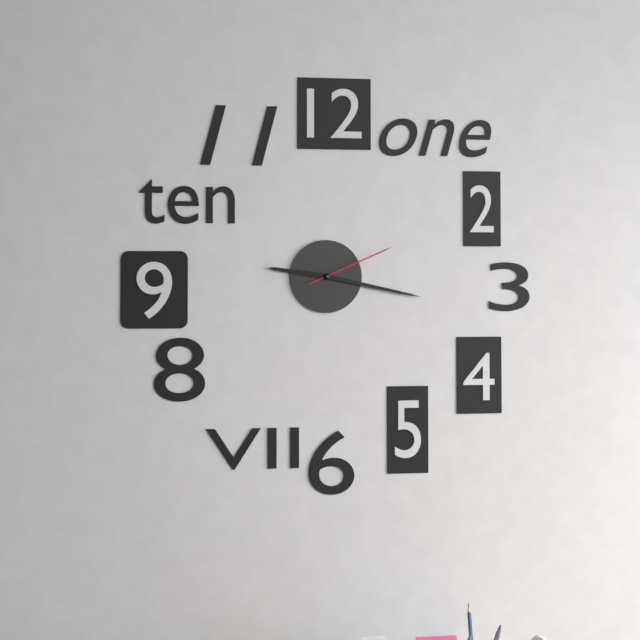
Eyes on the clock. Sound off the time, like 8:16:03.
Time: 9:17:11
